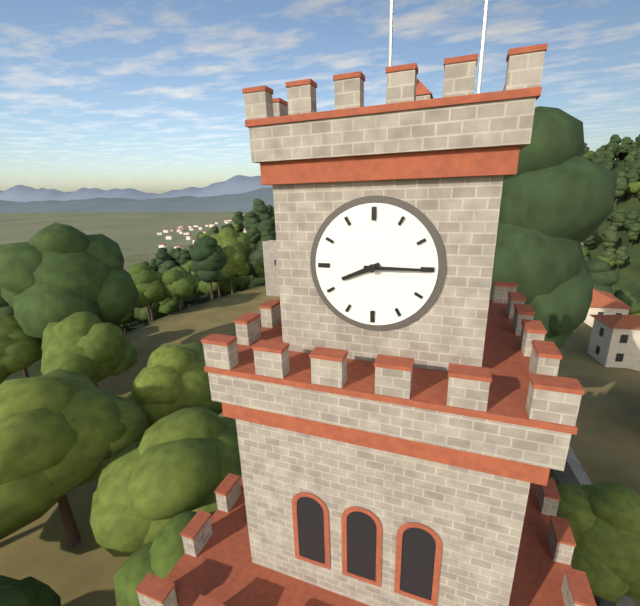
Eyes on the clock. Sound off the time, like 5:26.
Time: 8:15
